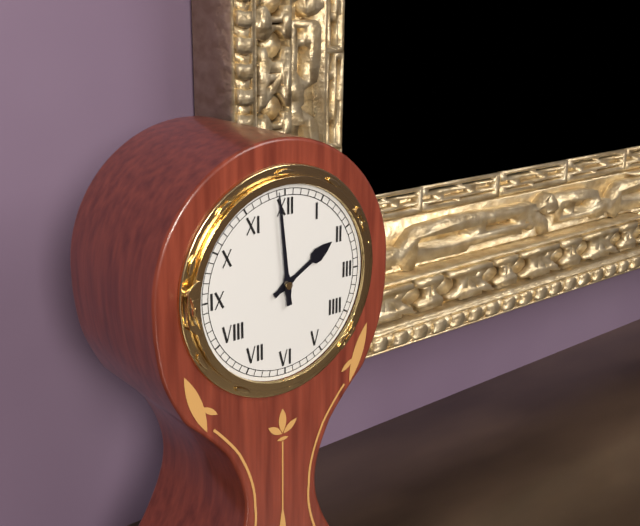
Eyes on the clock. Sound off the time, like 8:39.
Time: 1:59
